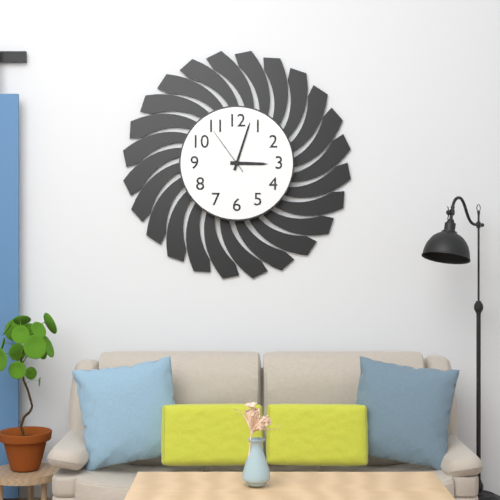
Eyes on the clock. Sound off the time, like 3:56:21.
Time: 3:03:54
